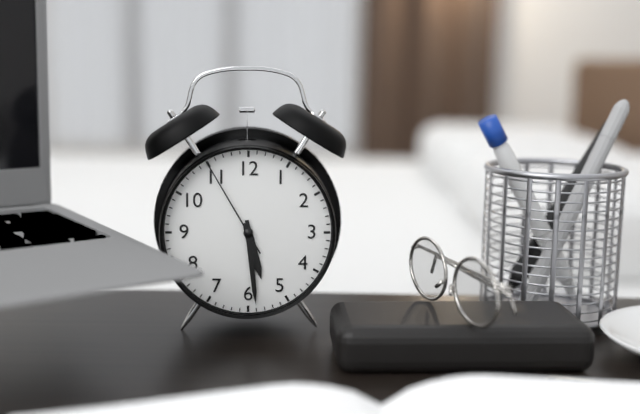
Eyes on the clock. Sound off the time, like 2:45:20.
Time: 5:29:55
